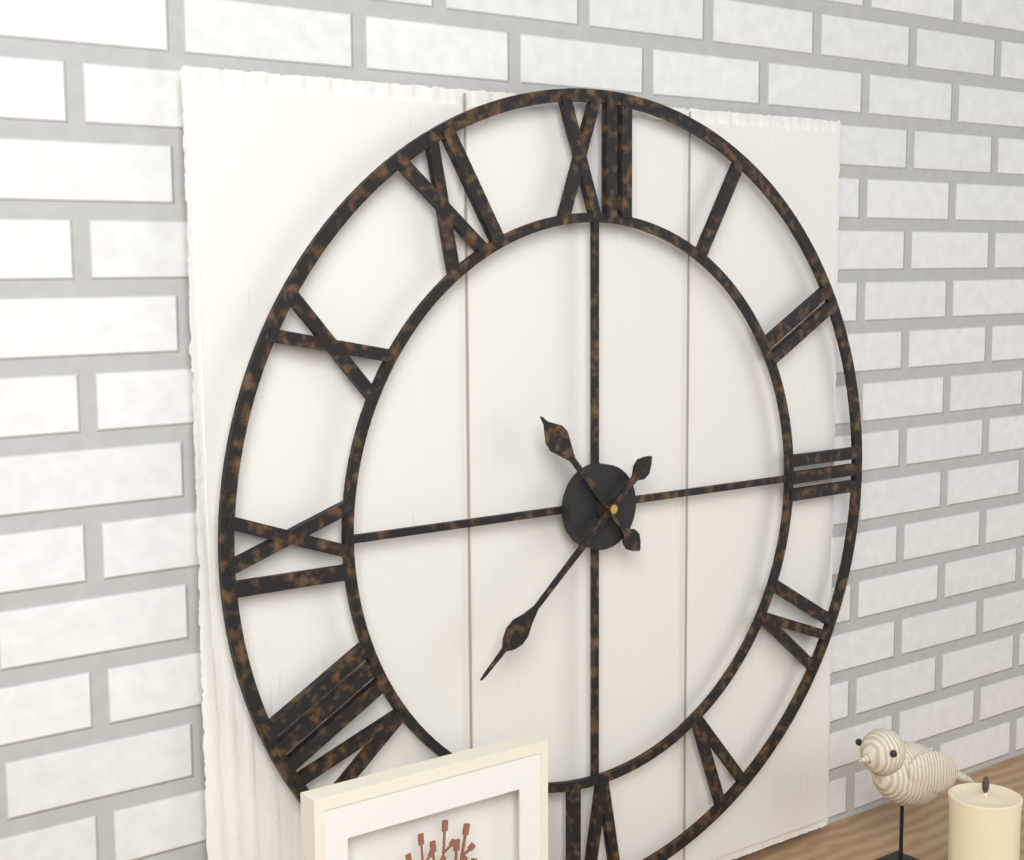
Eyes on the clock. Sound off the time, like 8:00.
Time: 10:38
